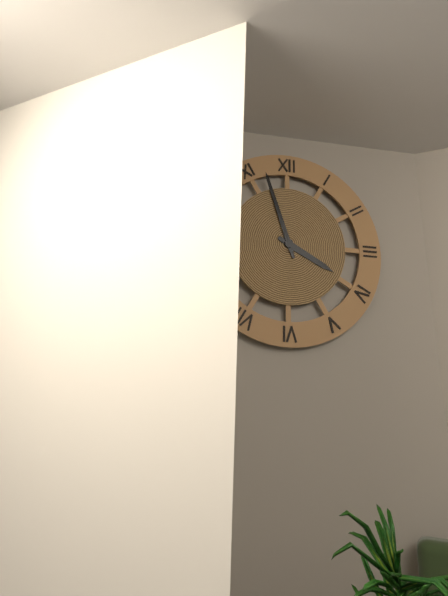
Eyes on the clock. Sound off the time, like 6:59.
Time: 3:57
